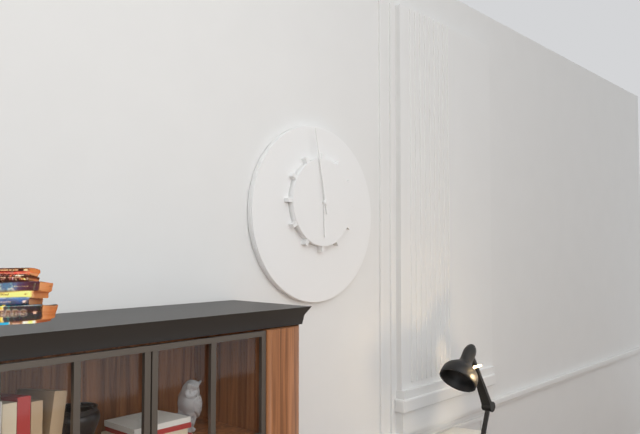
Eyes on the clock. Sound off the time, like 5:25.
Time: 5:58
